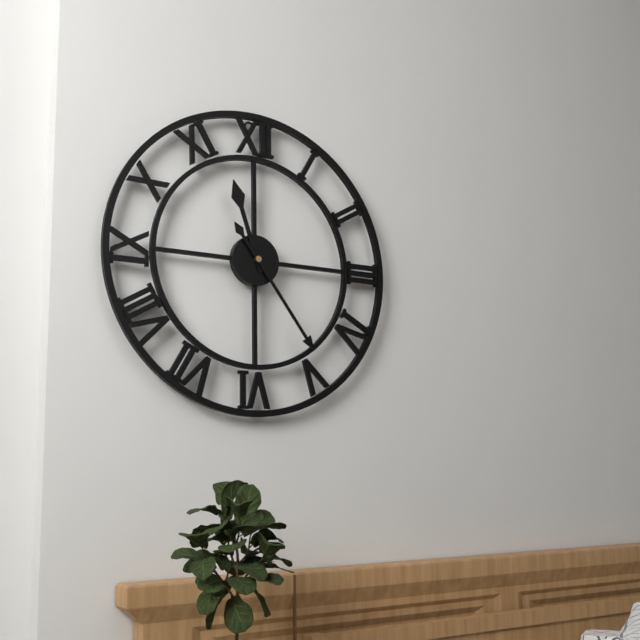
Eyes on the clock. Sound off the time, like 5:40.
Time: 11:24
